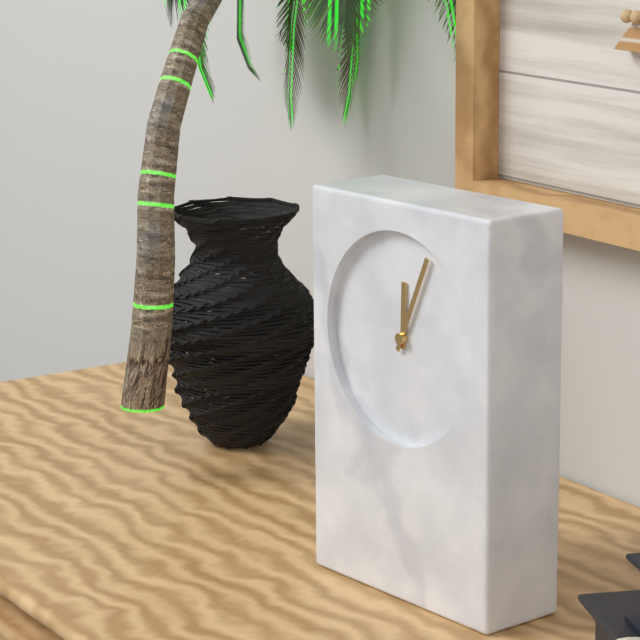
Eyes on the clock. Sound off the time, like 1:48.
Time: 12:04
